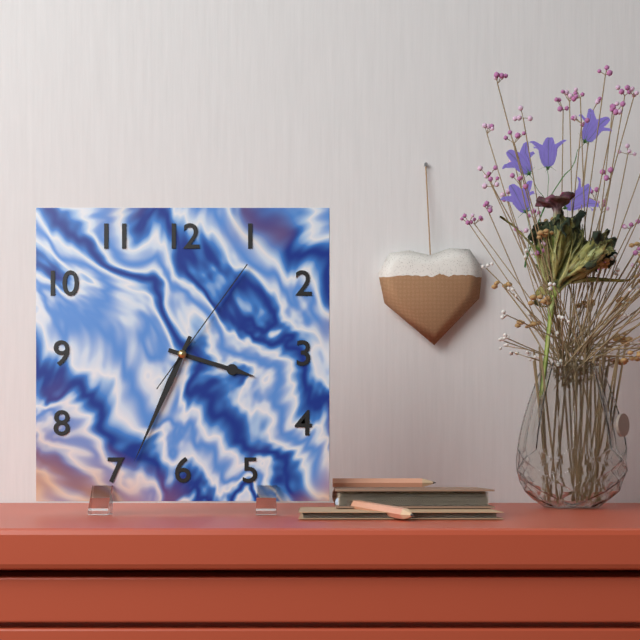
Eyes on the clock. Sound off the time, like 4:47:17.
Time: 3:34:06
